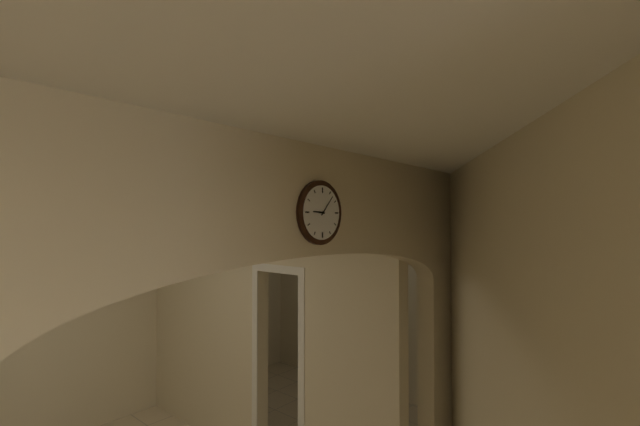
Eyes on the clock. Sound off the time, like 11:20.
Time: 9:07
